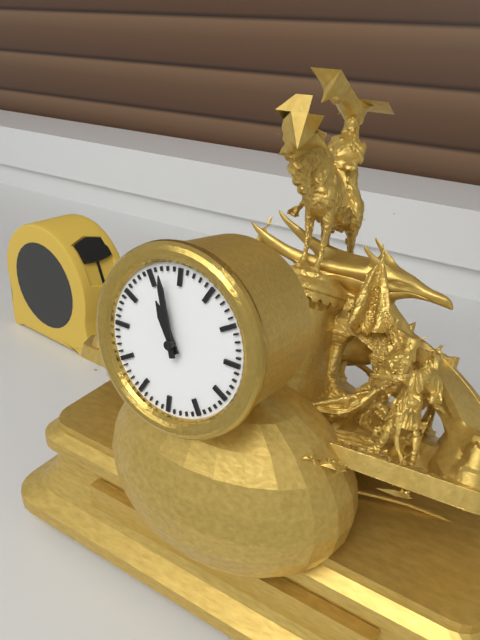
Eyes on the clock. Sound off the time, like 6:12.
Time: 10:57
